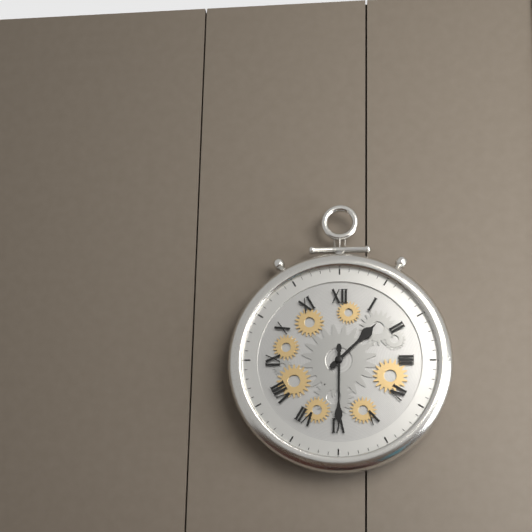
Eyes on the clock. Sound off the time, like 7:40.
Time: 1:30
